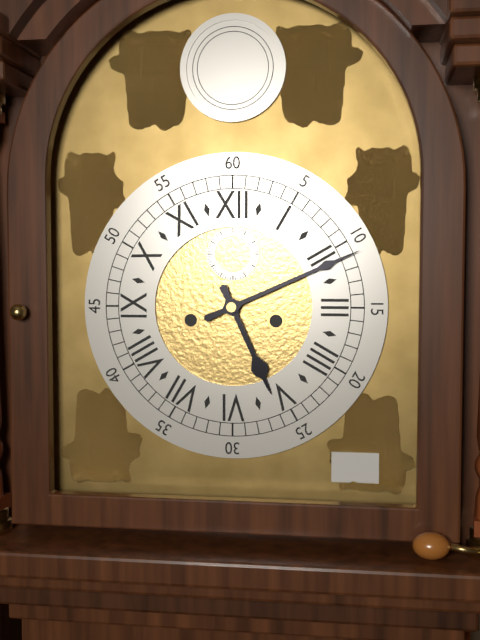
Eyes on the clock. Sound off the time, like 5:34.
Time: 5:11
